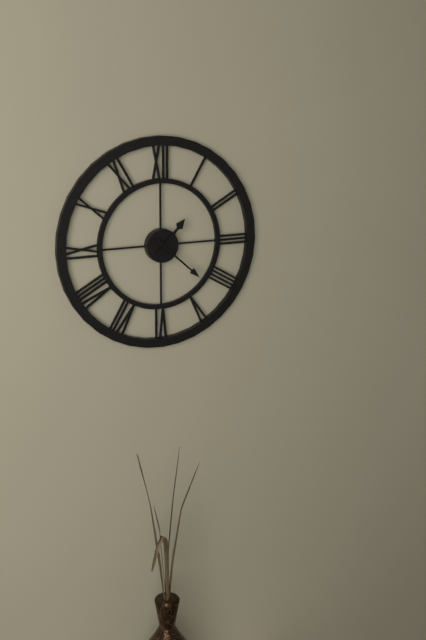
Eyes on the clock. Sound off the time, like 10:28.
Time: 1:22
